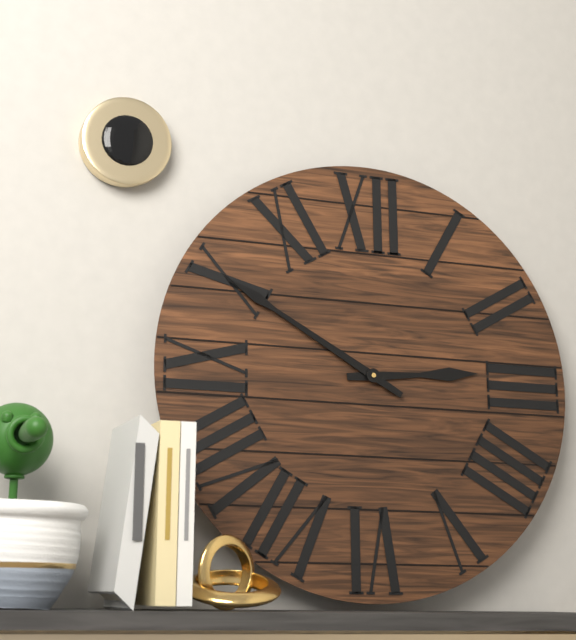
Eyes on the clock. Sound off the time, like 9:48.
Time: 2:50
